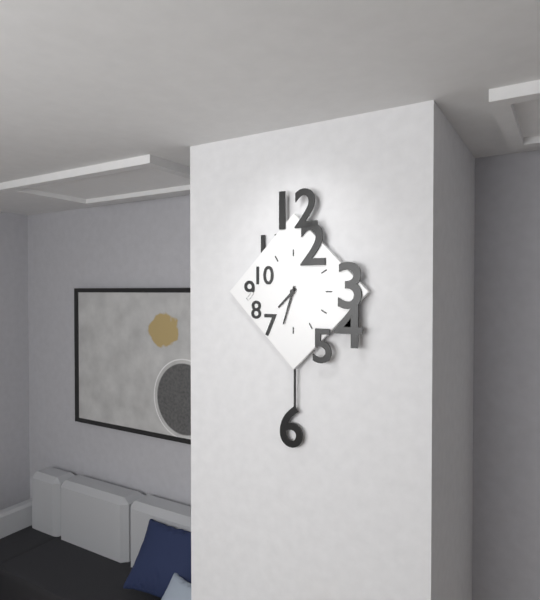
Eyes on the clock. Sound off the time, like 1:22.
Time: 7:33
